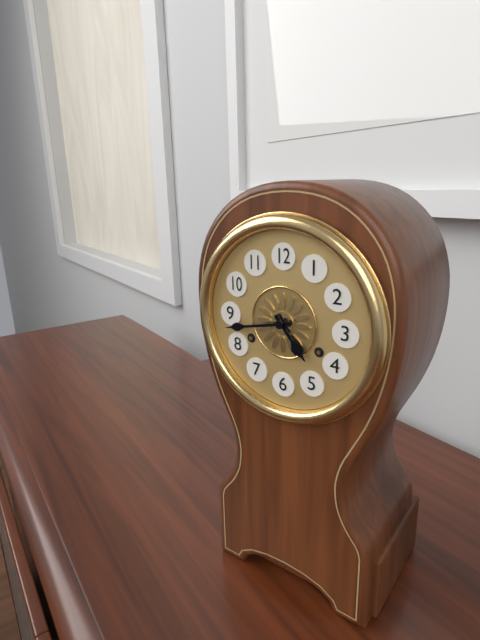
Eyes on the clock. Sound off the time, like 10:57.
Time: 4:43
